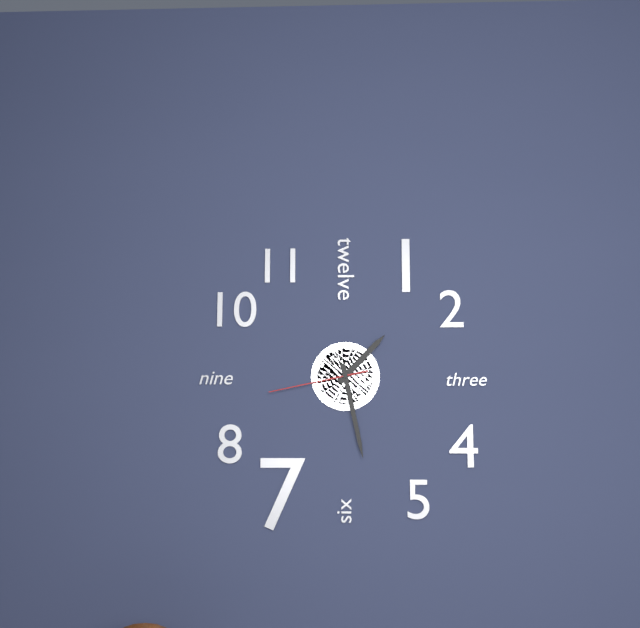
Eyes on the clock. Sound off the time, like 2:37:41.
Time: 1:28:43
